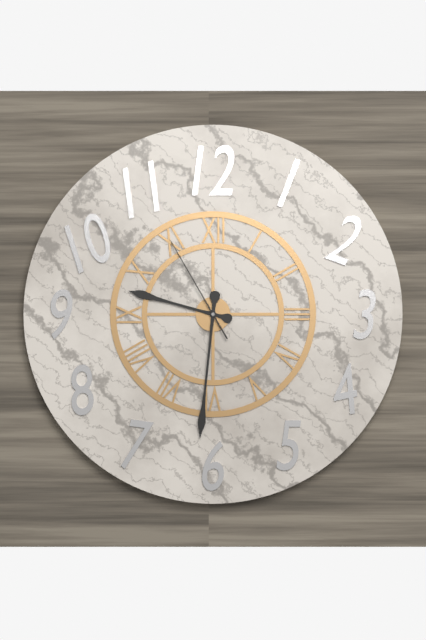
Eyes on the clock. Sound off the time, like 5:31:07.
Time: 9:31:55
